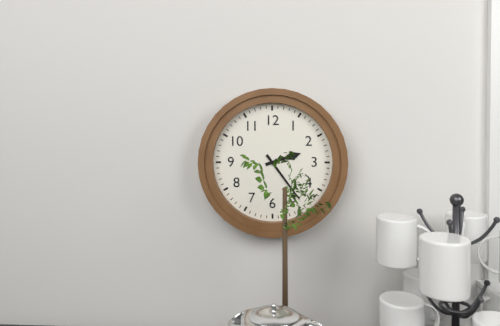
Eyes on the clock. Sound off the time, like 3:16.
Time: 2:24
